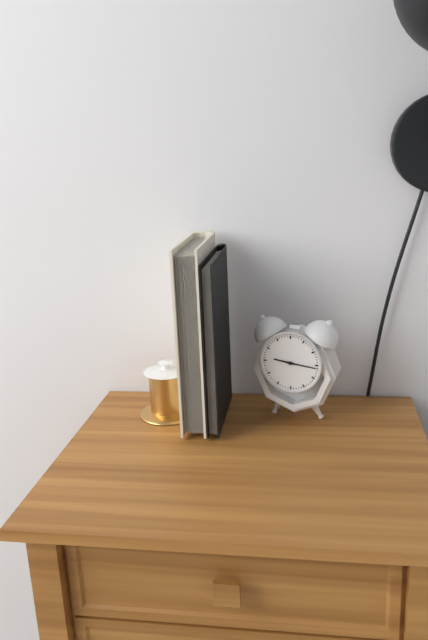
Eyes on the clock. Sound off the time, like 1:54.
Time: 9:16
